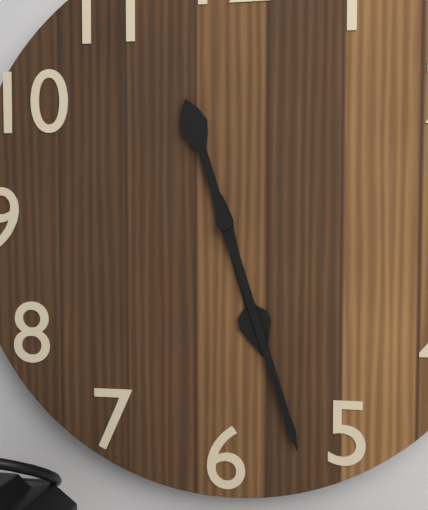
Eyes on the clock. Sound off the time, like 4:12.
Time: 5:27
